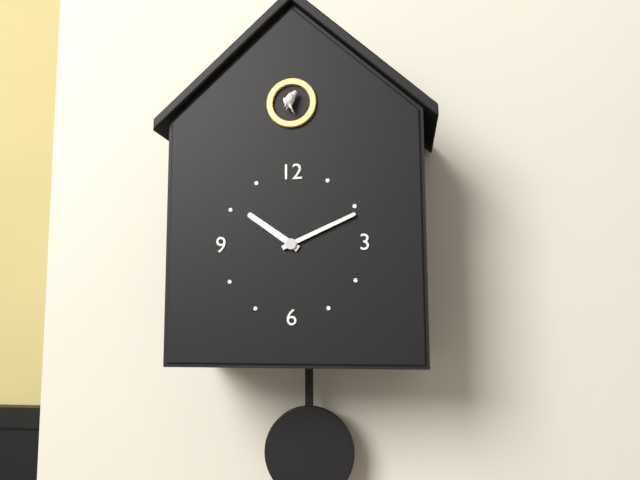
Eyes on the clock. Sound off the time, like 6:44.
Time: 10:11
